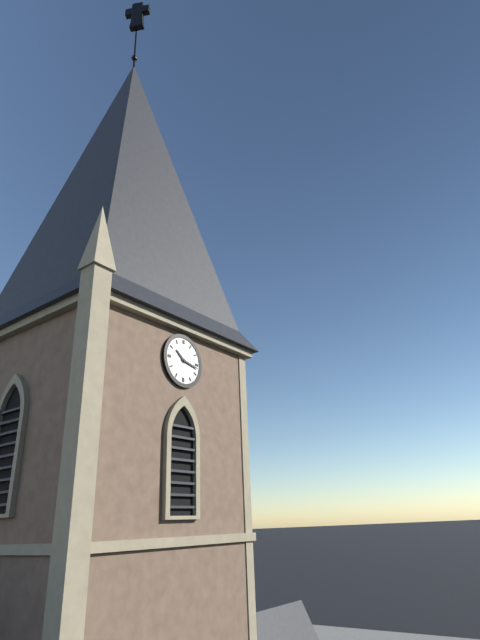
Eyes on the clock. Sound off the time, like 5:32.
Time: 10:17
